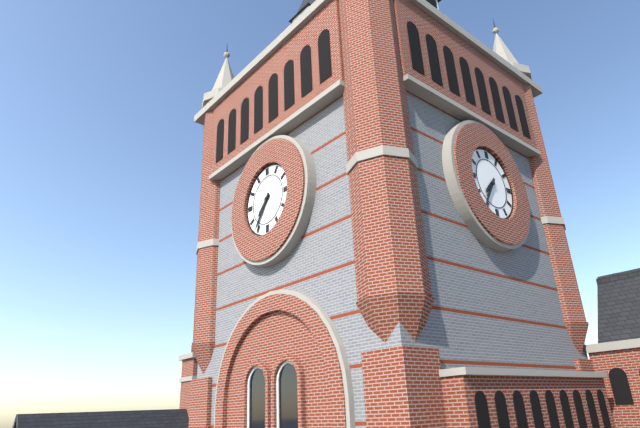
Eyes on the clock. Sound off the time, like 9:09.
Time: 7:36
